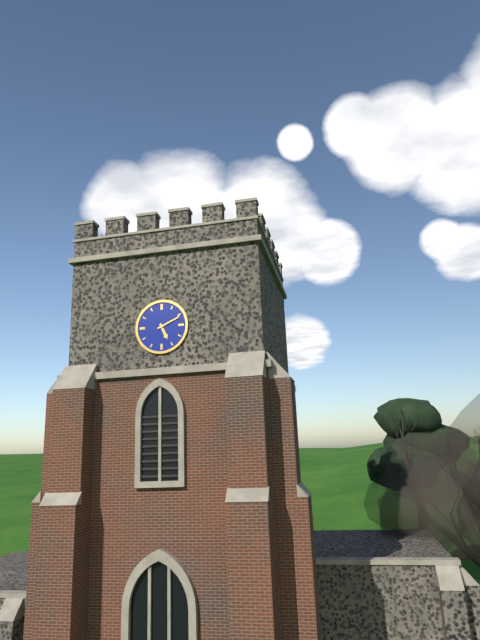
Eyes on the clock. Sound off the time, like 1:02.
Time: 5:11
